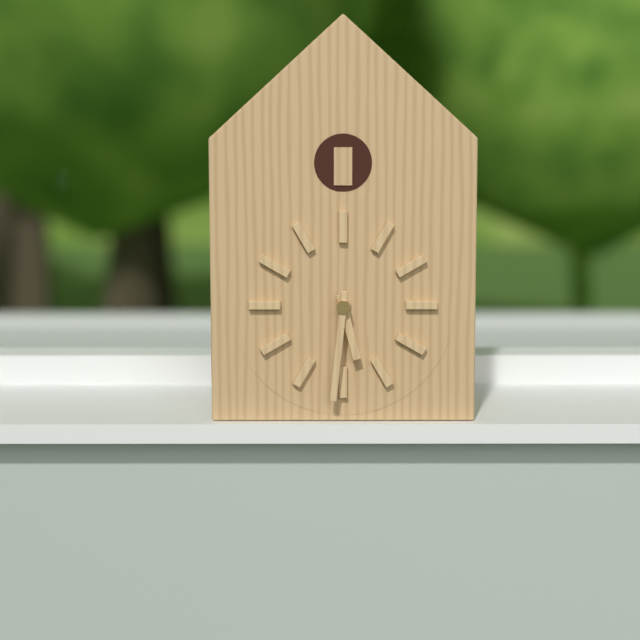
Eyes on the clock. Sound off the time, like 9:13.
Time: 5:31
